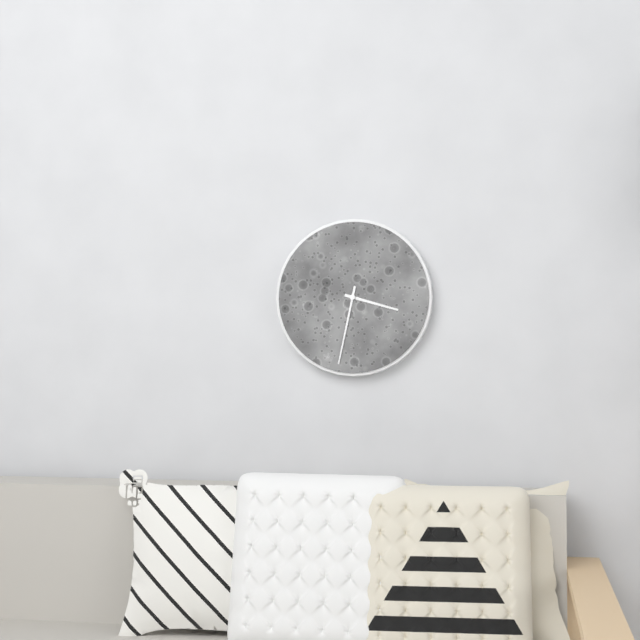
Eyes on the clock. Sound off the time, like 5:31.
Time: 3:32
